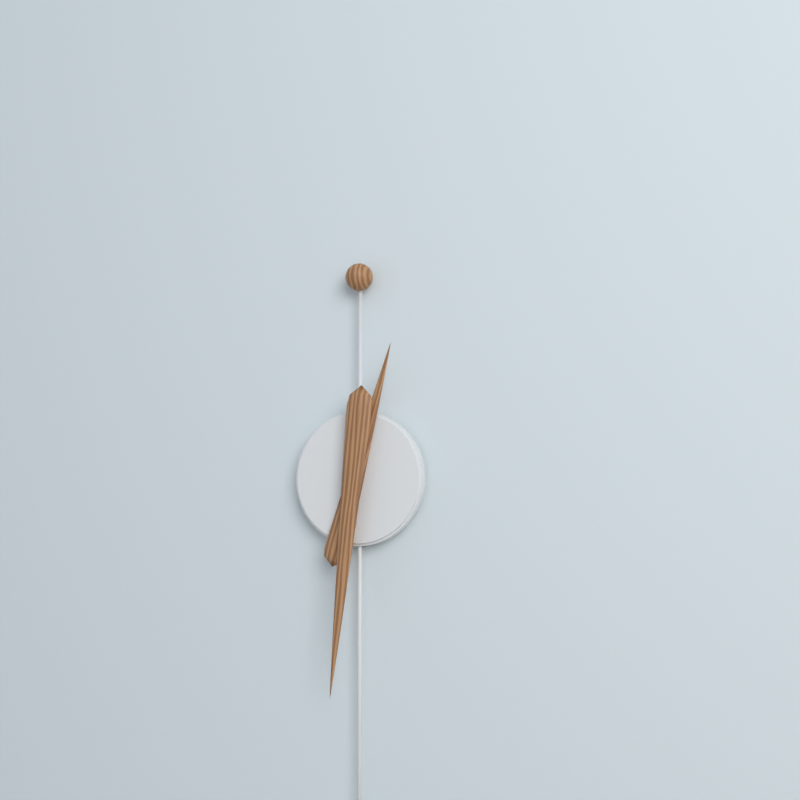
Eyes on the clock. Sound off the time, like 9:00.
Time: 12:31
